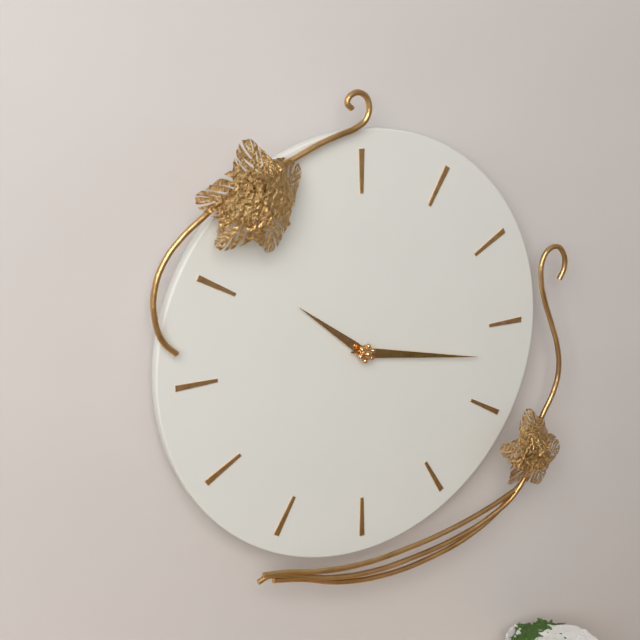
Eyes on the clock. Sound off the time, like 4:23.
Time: 10:17
